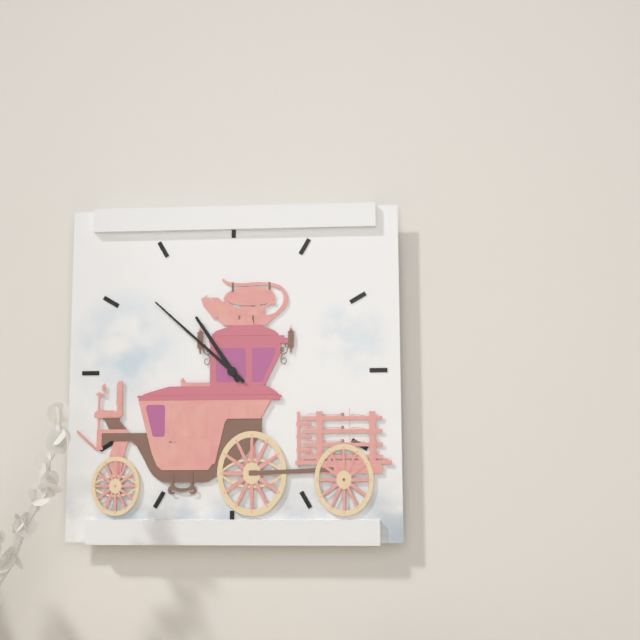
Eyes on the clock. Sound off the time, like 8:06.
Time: 10:52
